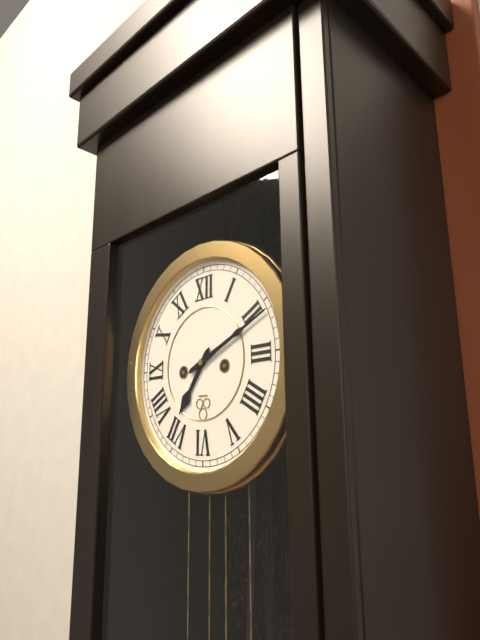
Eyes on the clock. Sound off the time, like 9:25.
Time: 7:11
